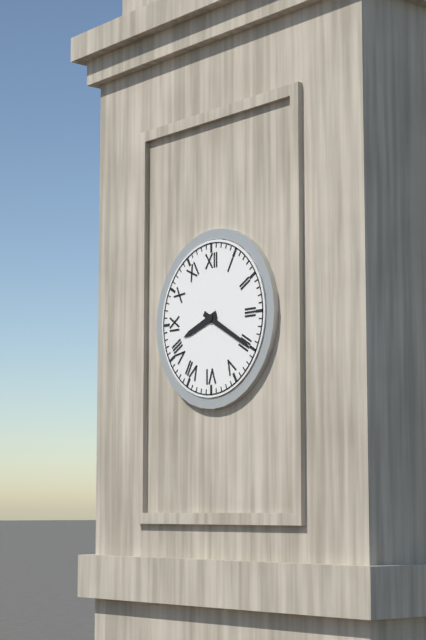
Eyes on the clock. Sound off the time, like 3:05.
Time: 8:20
